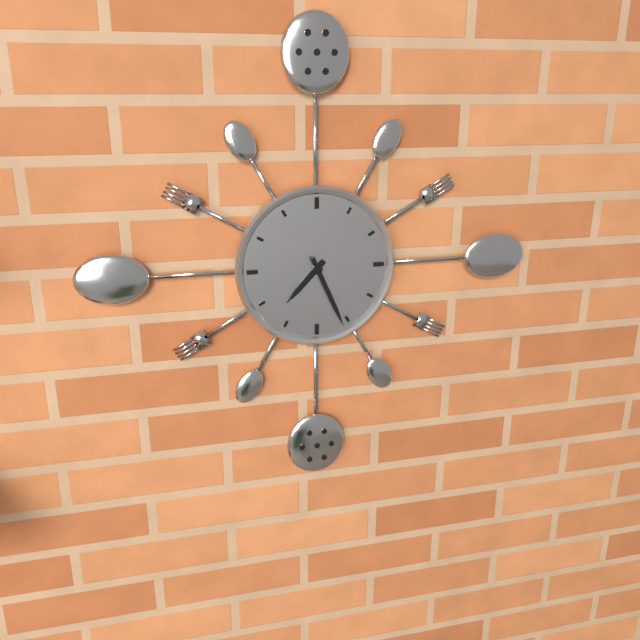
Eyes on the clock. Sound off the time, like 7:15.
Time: 7:26
